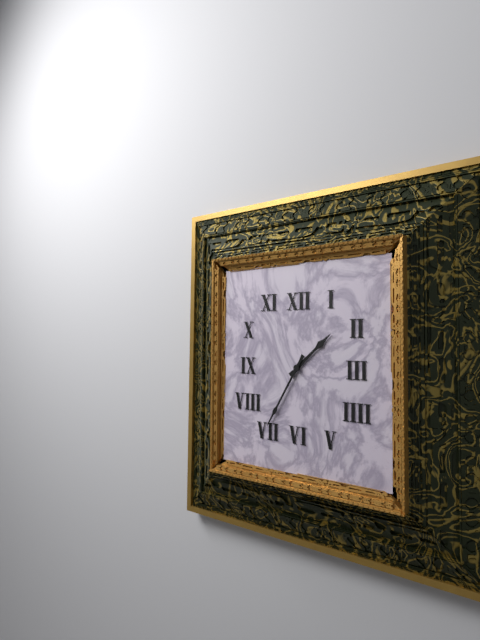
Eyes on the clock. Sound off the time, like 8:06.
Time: 1:35
